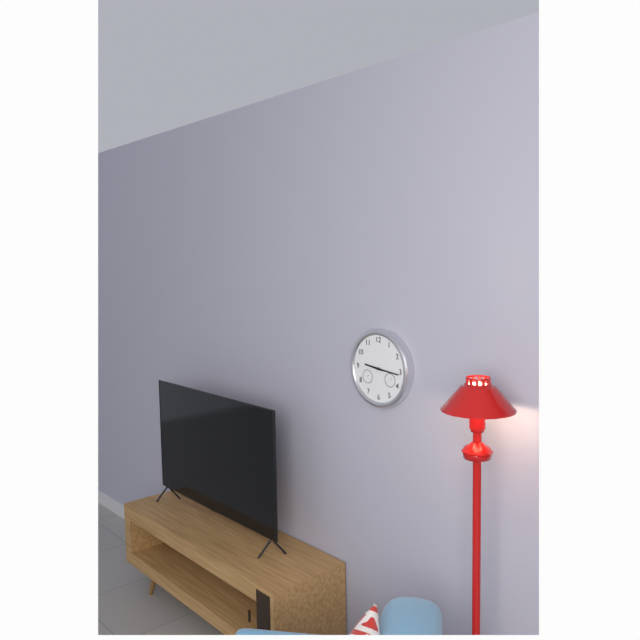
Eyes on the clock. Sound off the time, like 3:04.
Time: 9:16
